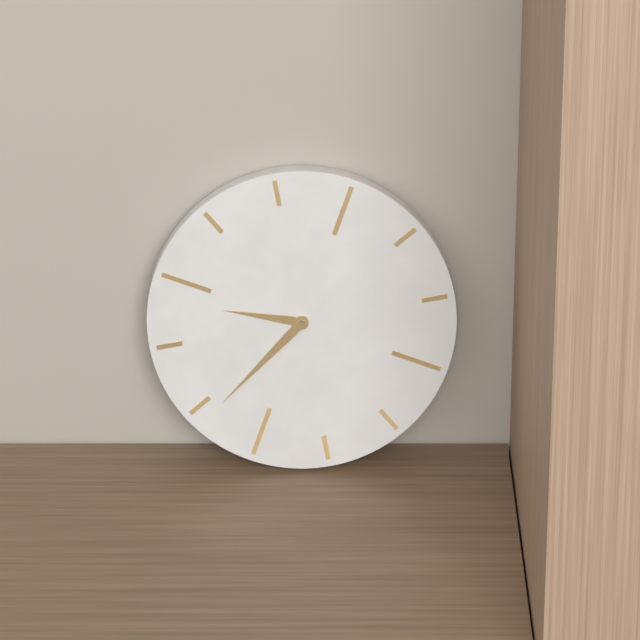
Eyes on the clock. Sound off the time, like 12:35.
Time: 9:39
